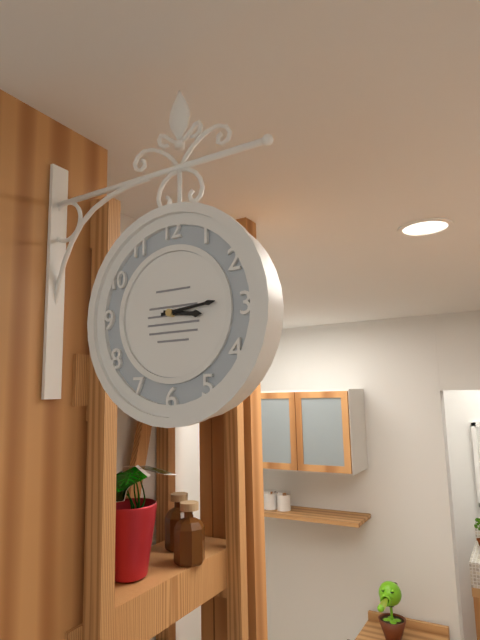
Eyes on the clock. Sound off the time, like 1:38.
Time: 3:14
